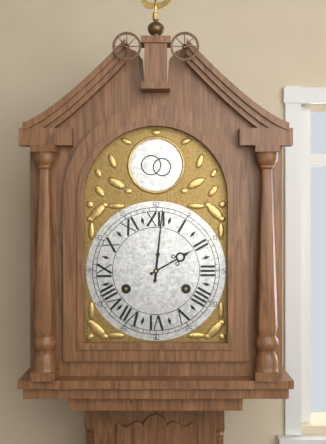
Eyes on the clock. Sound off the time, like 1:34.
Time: 2:01
